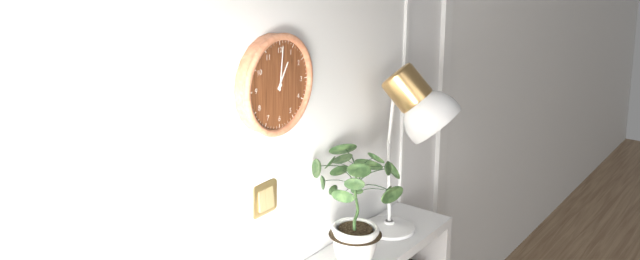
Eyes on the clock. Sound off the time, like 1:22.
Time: 1:01
